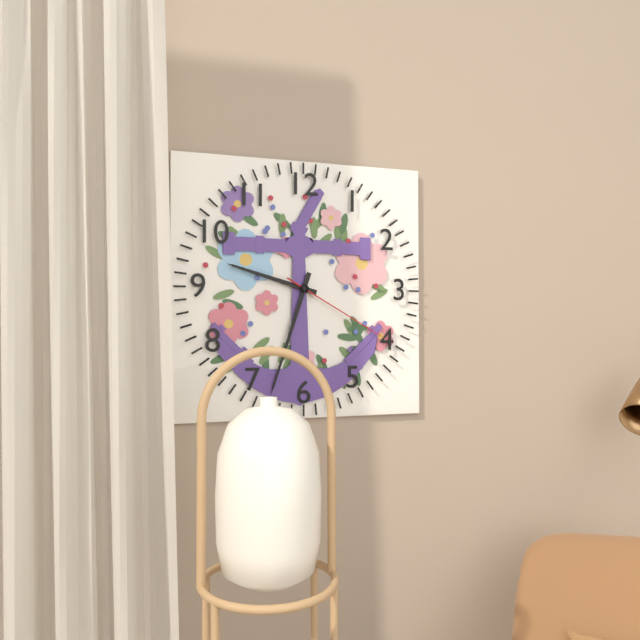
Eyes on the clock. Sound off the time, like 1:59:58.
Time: 9:33:20
